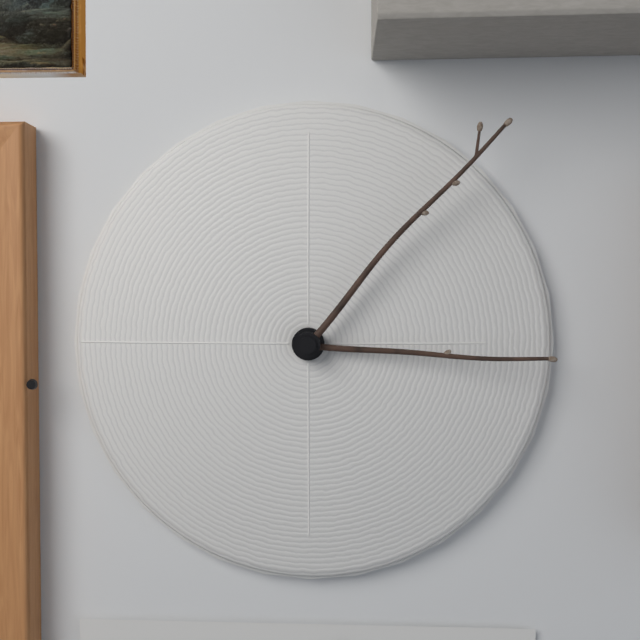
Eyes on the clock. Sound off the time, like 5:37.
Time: 3:07
